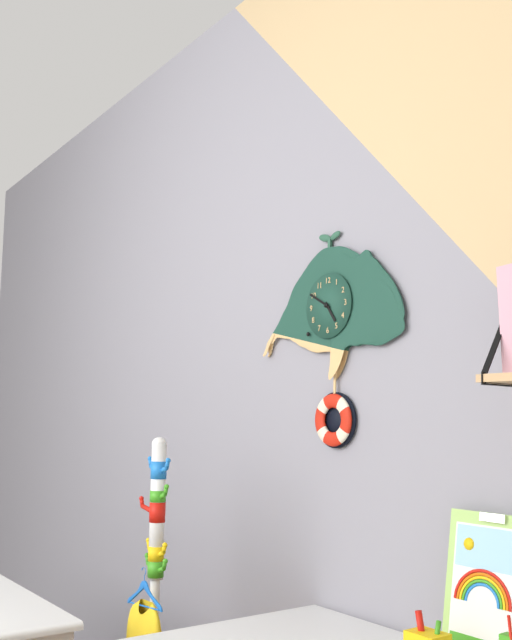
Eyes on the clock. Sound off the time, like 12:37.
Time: 4:50
